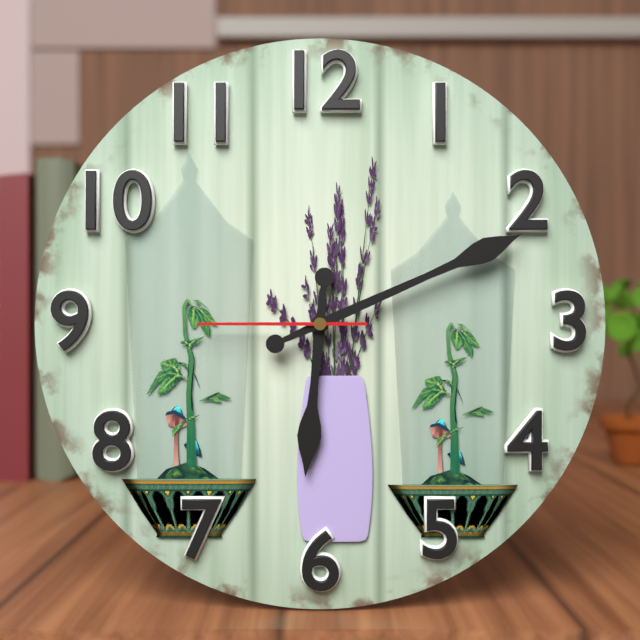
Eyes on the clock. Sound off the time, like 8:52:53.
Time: 6:11:45
